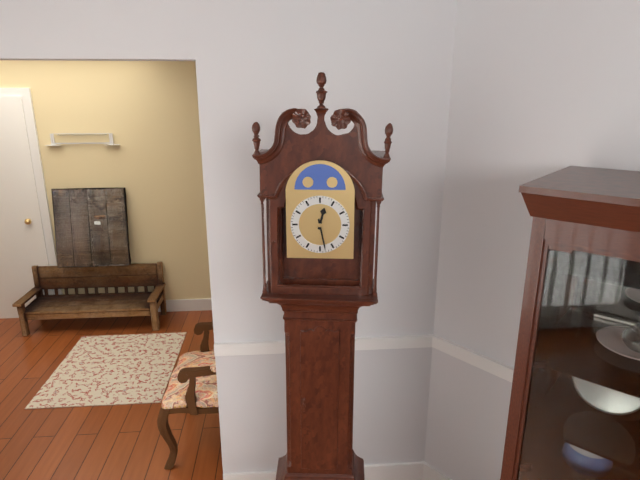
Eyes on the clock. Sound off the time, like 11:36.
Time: 12:28
